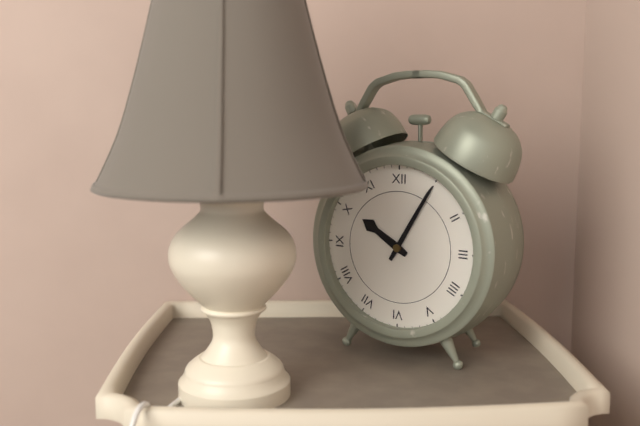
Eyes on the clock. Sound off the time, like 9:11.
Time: 10:05
